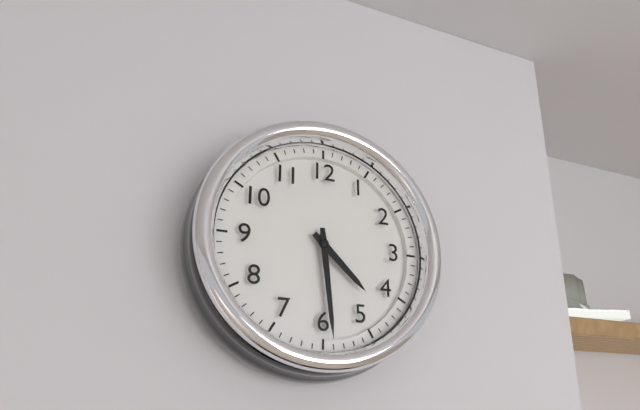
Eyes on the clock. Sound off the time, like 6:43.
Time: 4:29
